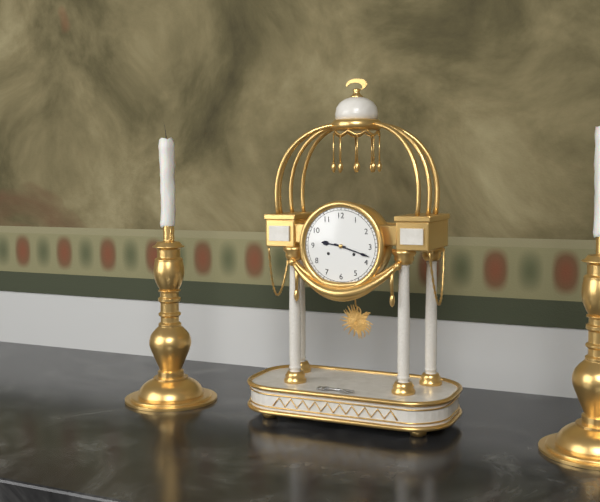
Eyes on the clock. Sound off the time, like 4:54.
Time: 9:18
